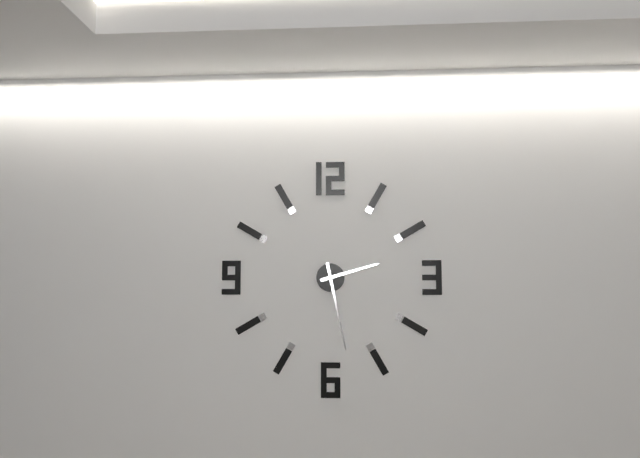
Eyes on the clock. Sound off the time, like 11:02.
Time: 2:28
